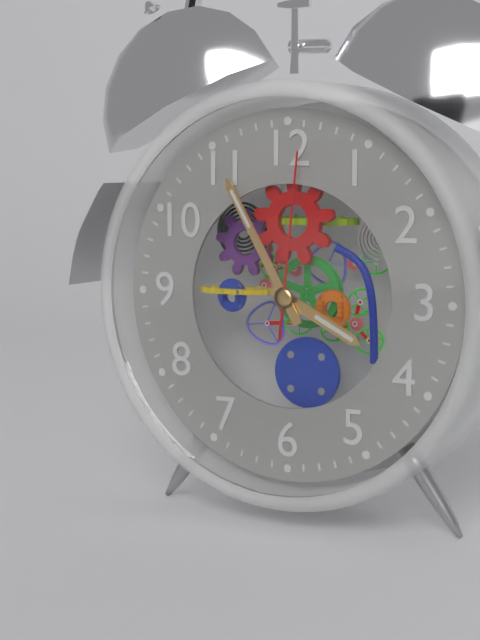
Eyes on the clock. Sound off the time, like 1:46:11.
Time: 3:55:01
